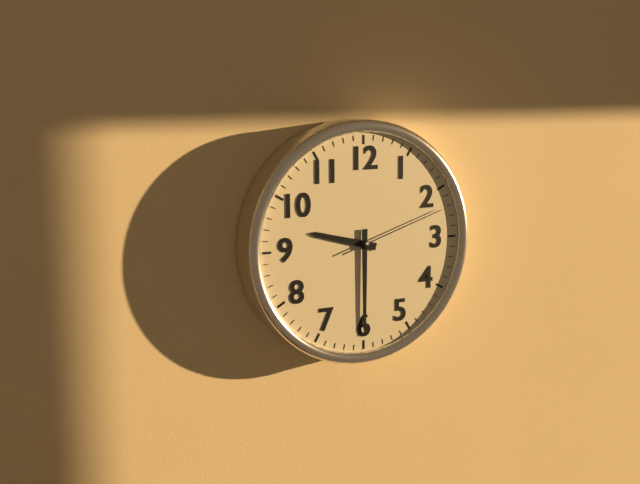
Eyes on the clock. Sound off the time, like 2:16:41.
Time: 9:30:12
